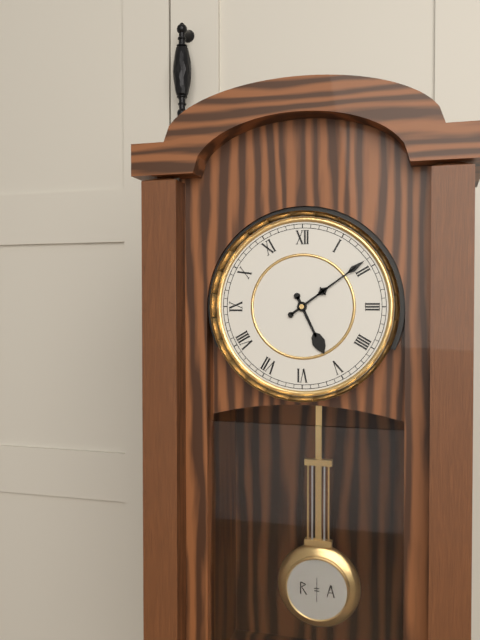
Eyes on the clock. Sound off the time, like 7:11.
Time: 5:09
